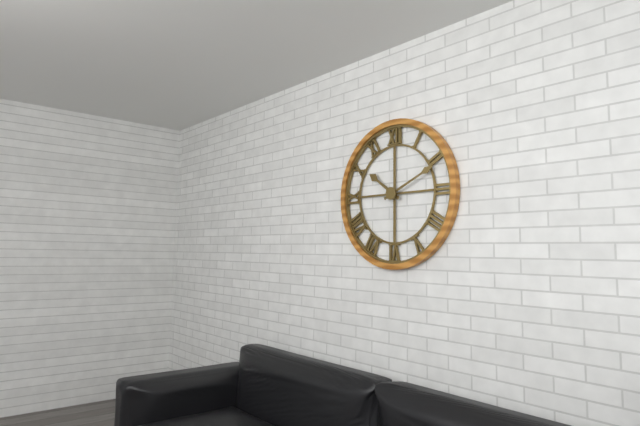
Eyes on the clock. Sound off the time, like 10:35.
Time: 10:11
